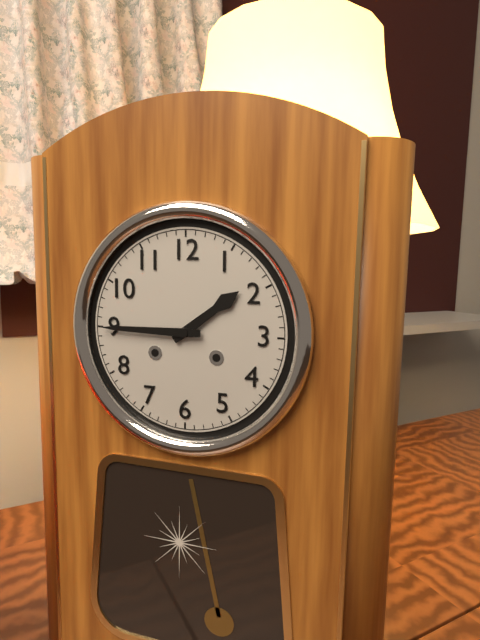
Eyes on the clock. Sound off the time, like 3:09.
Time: 1:45
